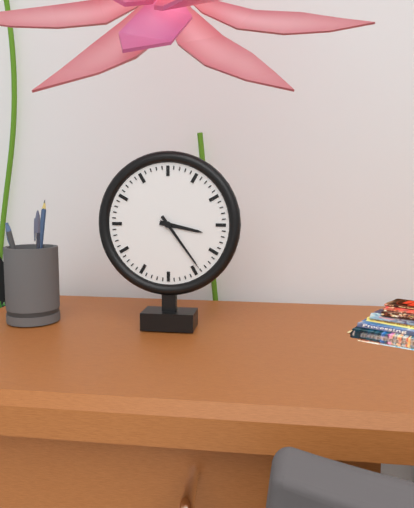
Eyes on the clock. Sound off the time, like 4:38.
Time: 3:24
